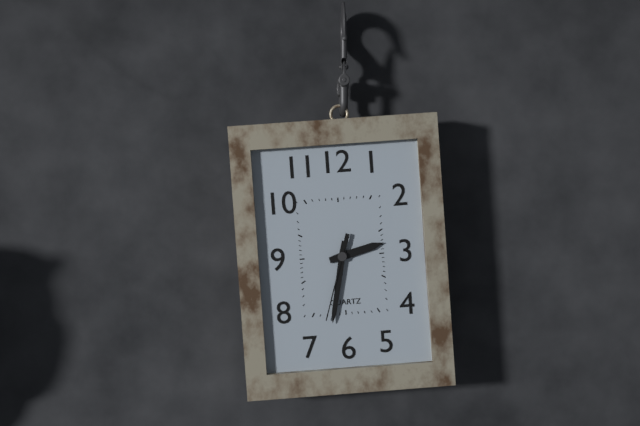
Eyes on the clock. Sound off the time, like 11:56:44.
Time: 2:32:33
